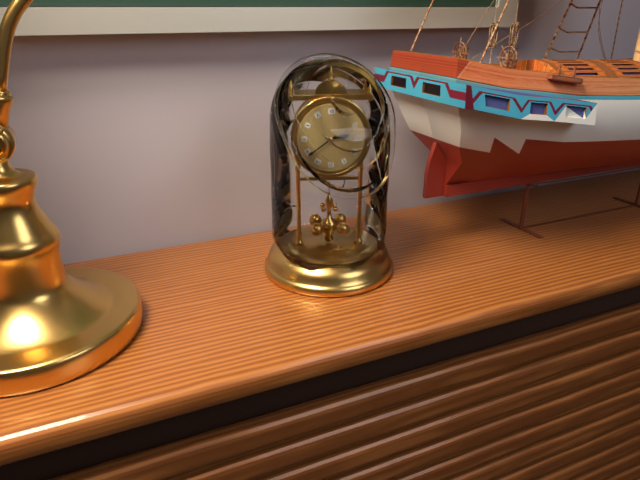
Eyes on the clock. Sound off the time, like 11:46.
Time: 2:39
